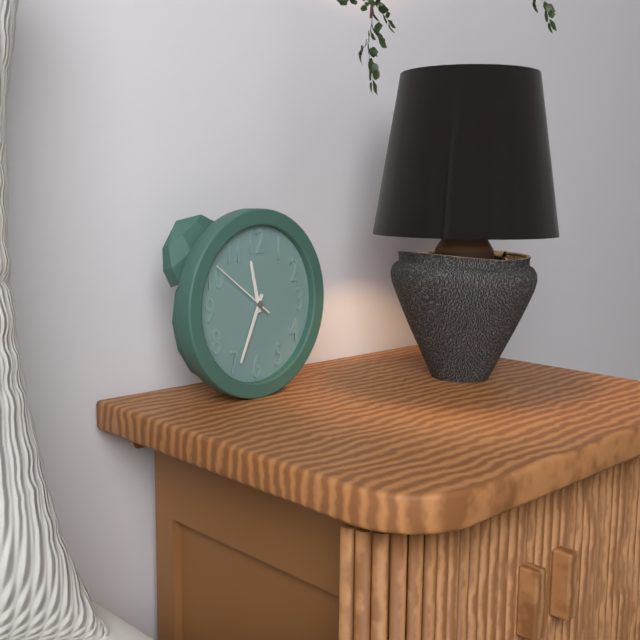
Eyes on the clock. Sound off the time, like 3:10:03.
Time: 11:34:51
